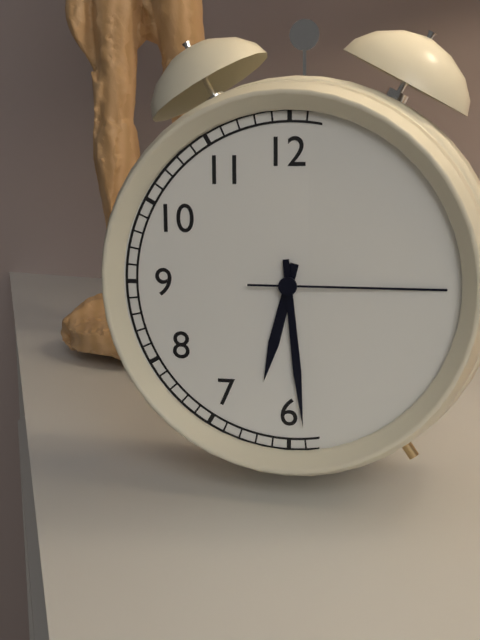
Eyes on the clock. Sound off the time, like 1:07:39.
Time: 6:29:15
